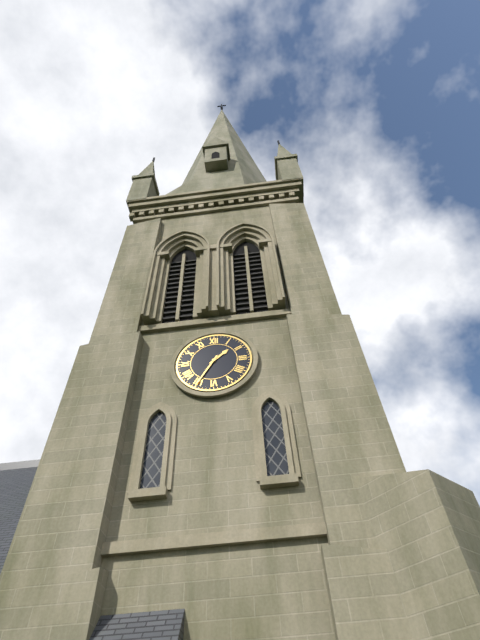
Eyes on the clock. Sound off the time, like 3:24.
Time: 1:35
